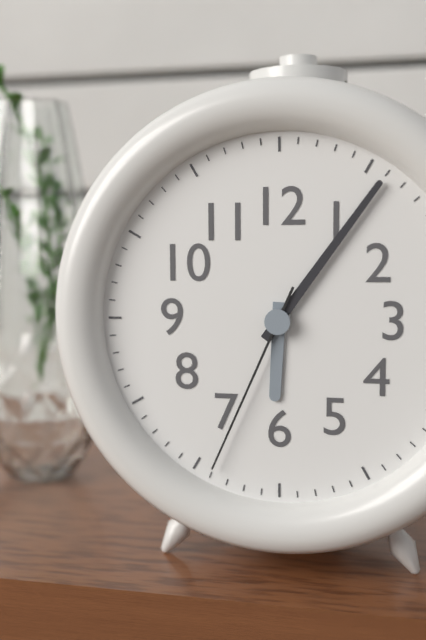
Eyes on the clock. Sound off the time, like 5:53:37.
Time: 6:06:34
